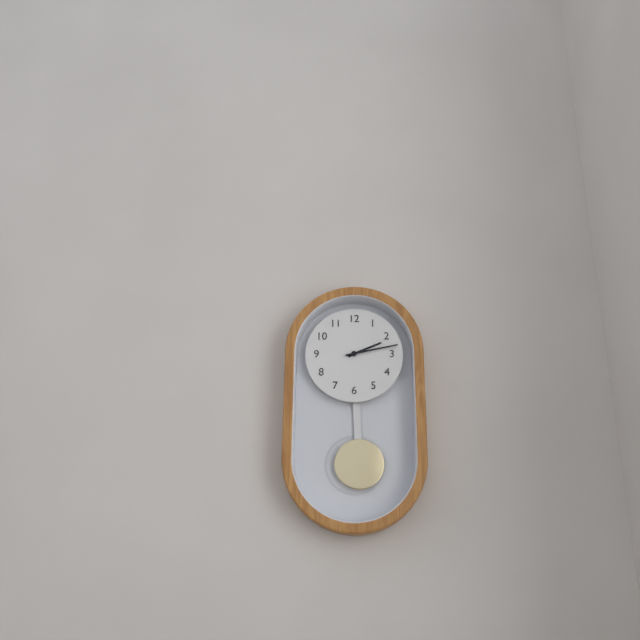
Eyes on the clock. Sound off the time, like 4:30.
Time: 2:13
